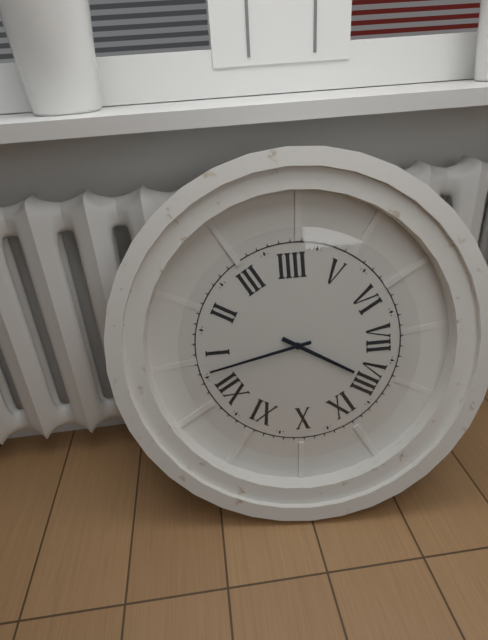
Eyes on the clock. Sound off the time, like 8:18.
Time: 8:03
